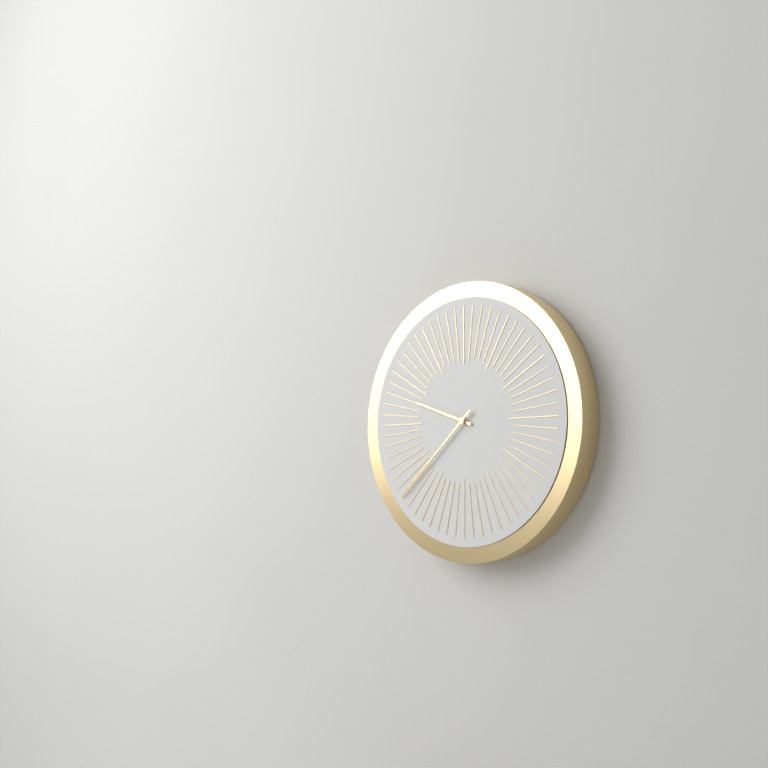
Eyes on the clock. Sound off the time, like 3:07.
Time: 9:38
